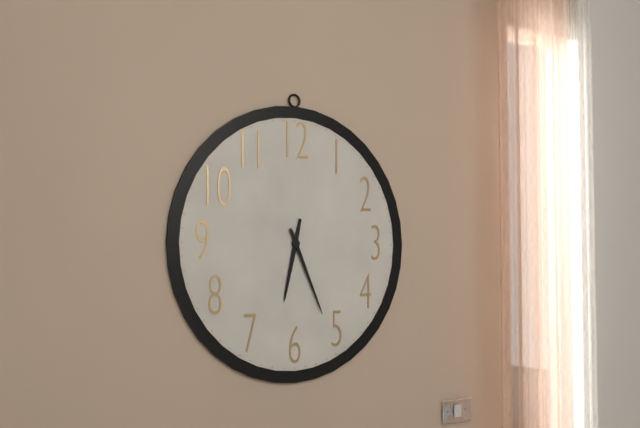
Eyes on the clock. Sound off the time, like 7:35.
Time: 6:26
